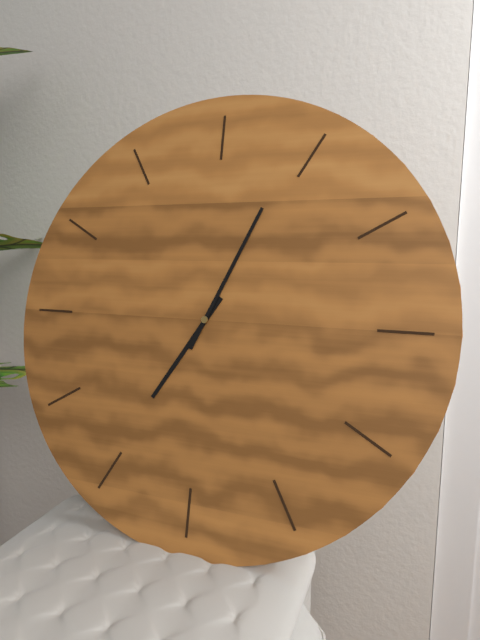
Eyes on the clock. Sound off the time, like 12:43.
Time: 7:04
